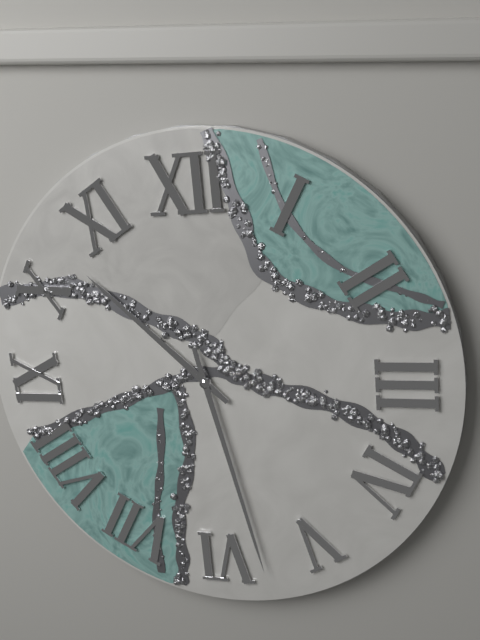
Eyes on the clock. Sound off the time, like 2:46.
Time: 10:28
